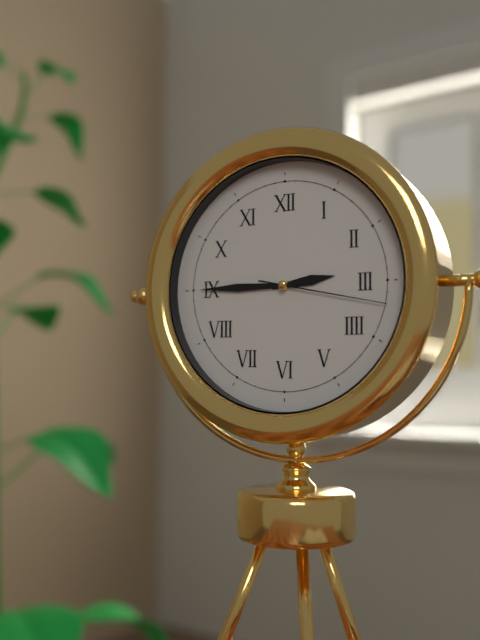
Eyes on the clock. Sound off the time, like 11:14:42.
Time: 2:45:17
